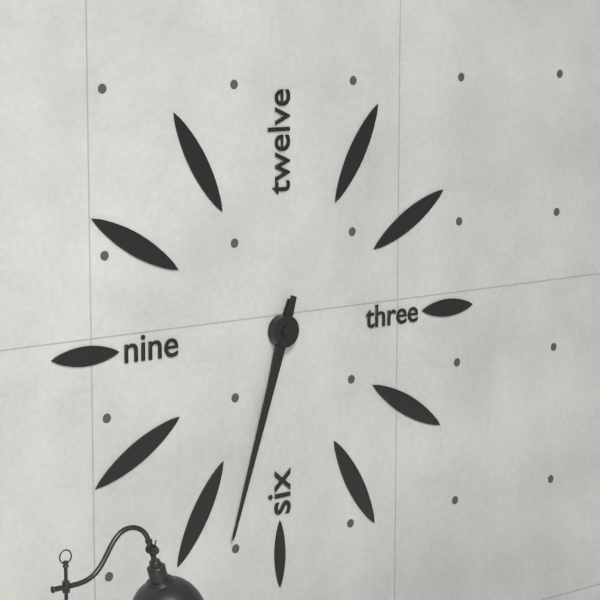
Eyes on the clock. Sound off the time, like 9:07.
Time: 6:33
